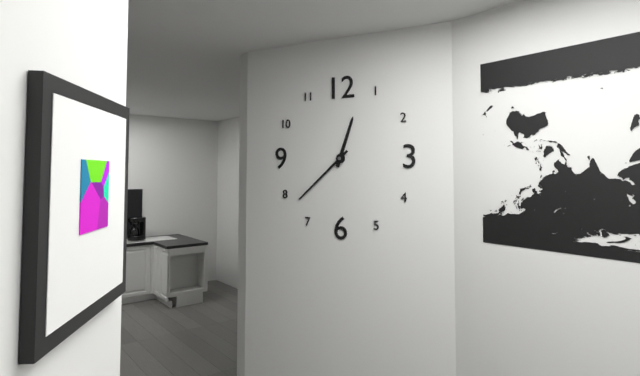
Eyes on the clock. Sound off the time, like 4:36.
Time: 12:38
